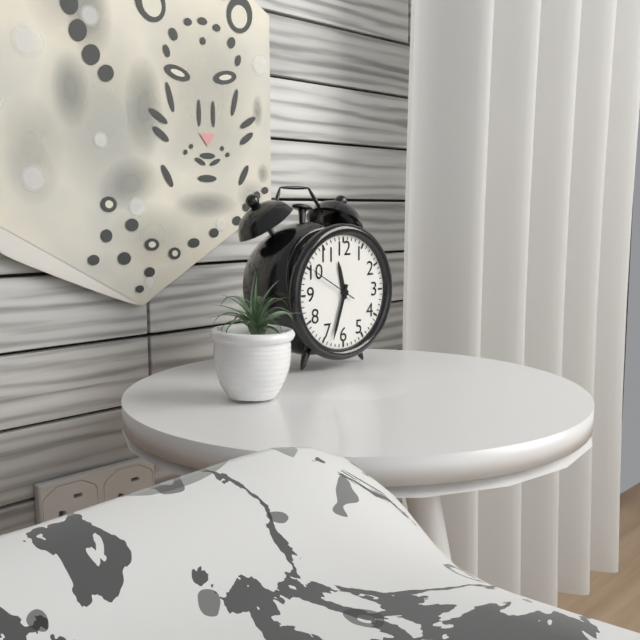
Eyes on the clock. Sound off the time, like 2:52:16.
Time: 11:33:50
